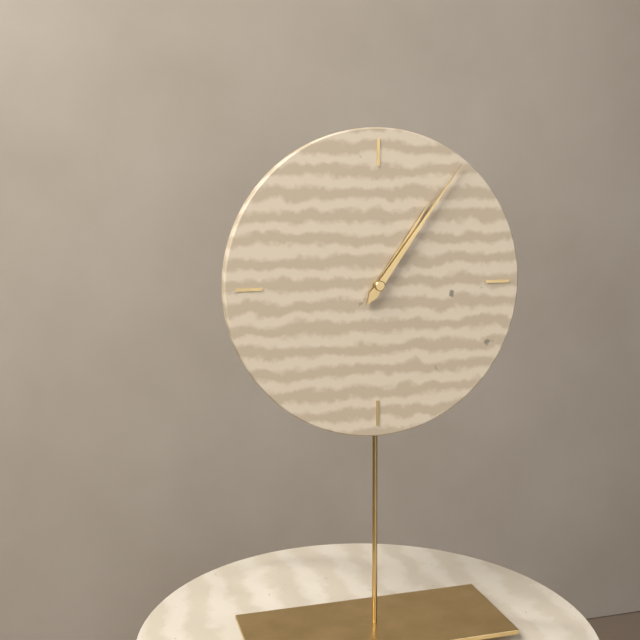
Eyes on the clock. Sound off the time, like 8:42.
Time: 1:06
